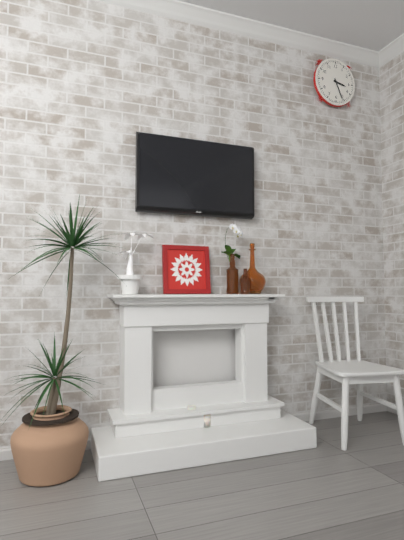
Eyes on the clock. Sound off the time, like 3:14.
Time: 3:26
